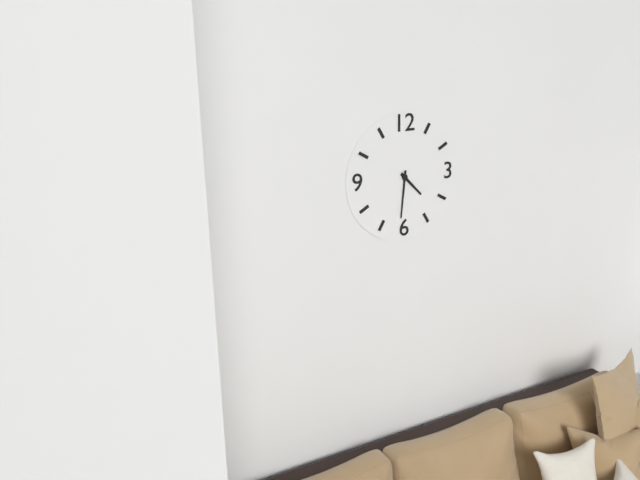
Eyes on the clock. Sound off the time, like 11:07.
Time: 4:31
